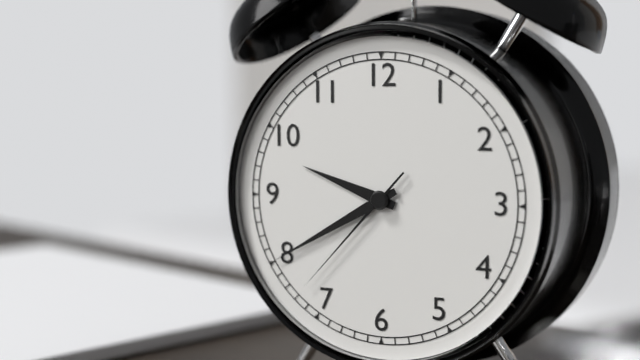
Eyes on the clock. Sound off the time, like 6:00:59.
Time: 9:40:37
